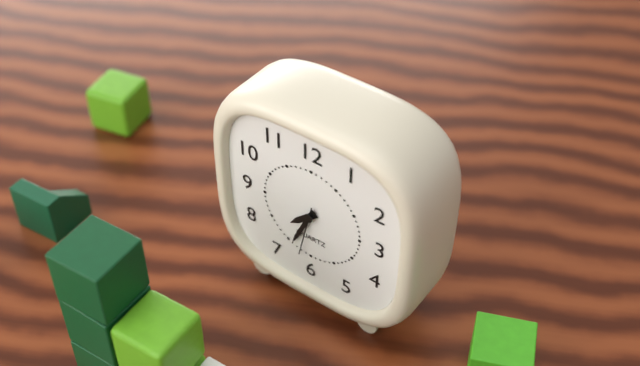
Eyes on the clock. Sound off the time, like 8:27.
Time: 7:34
